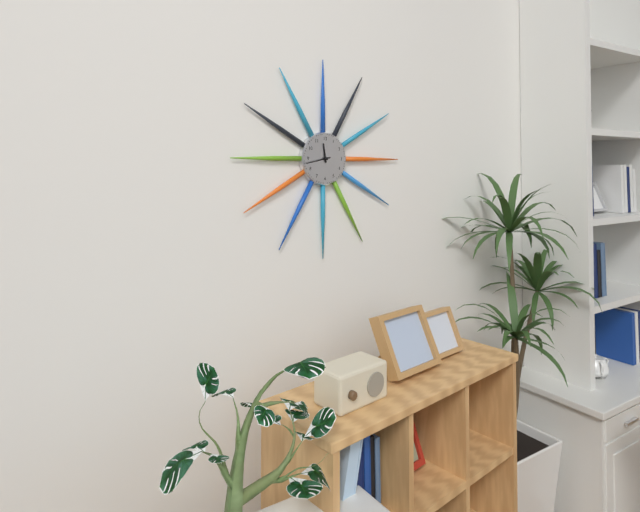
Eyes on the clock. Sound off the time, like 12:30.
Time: 11:43
